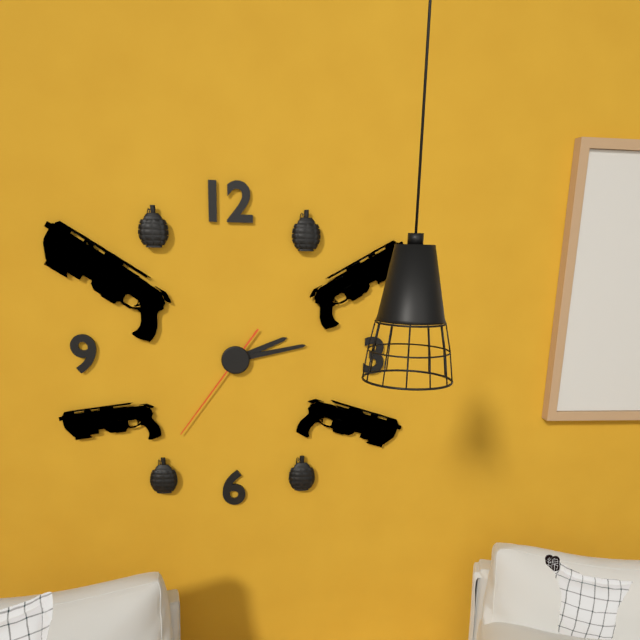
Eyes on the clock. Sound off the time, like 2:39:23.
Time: 2:13:36
